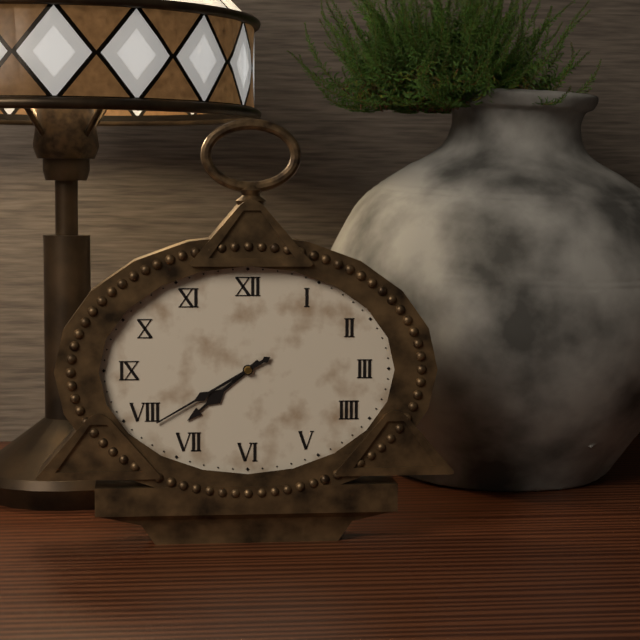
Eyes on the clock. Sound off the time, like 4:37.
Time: 7:40
